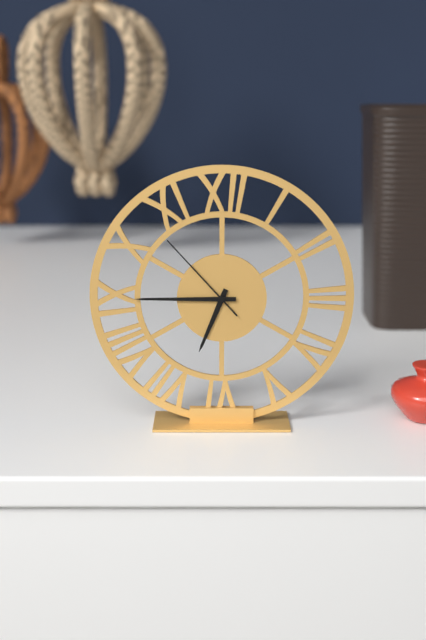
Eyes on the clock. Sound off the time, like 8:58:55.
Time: 6:45:53
